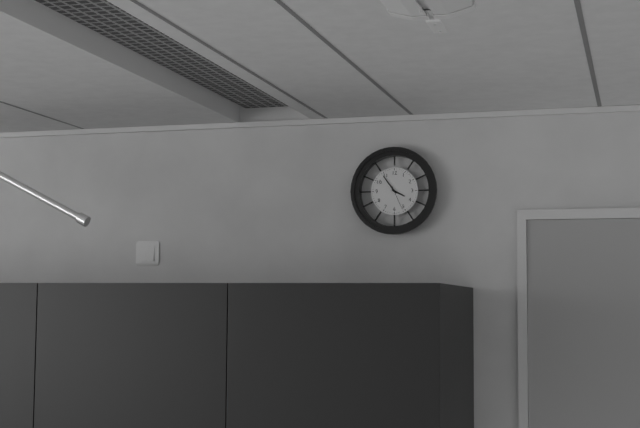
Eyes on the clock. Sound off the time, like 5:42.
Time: 3:54
